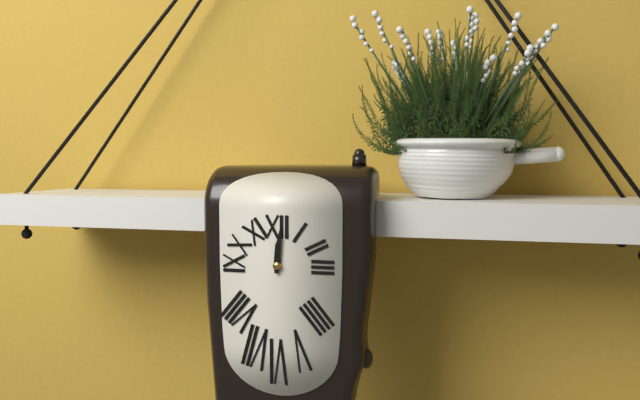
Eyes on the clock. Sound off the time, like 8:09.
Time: 12:01
